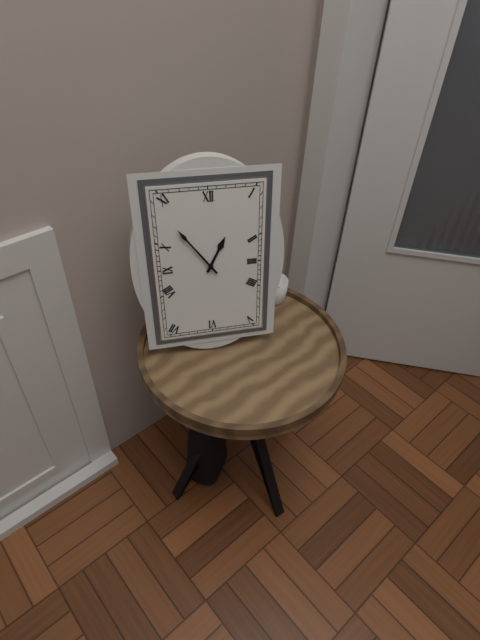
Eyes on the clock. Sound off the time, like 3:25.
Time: 12:54
